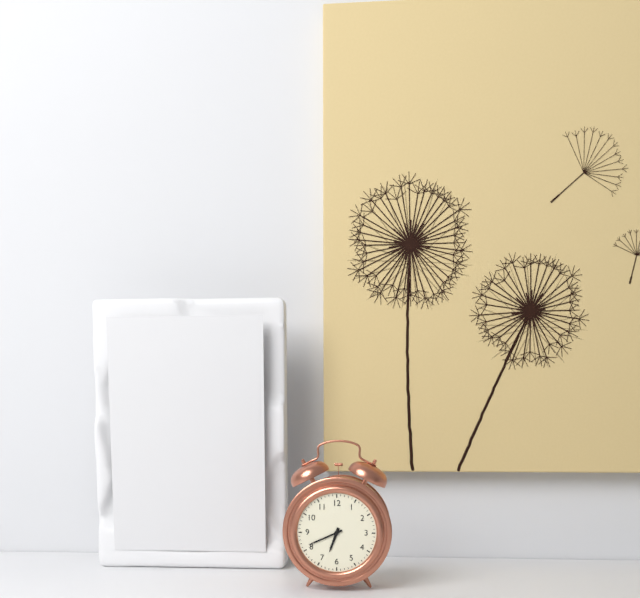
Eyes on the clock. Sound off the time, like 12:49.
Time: 6:41
